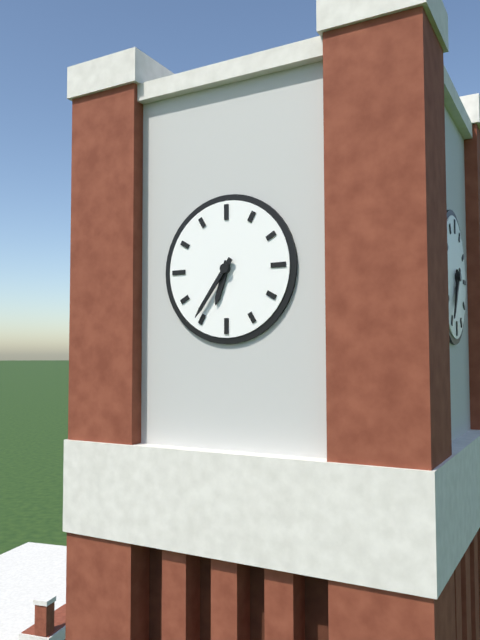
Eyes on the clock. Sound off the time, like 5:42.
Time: 6:36
